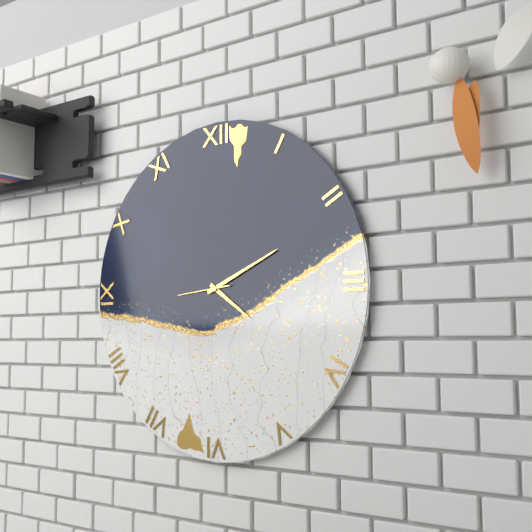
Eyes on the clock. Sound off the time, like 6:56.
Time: 4:11
